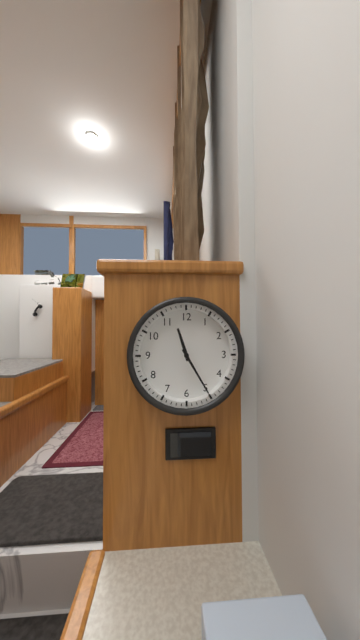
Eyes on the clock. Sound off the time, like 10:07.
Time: 11:25
